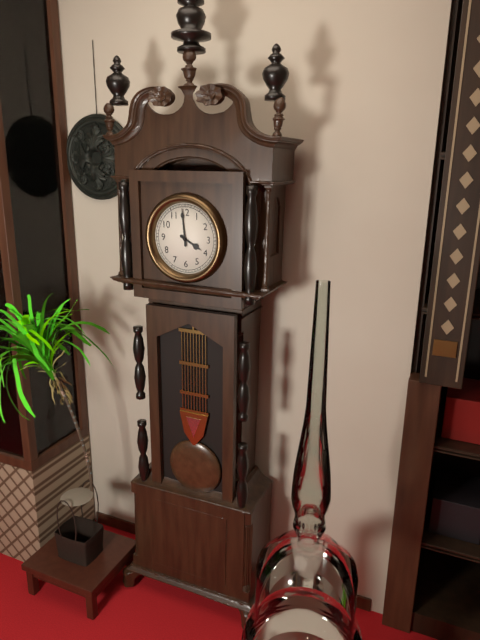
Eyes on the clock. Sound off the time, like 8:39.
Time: 3:59
